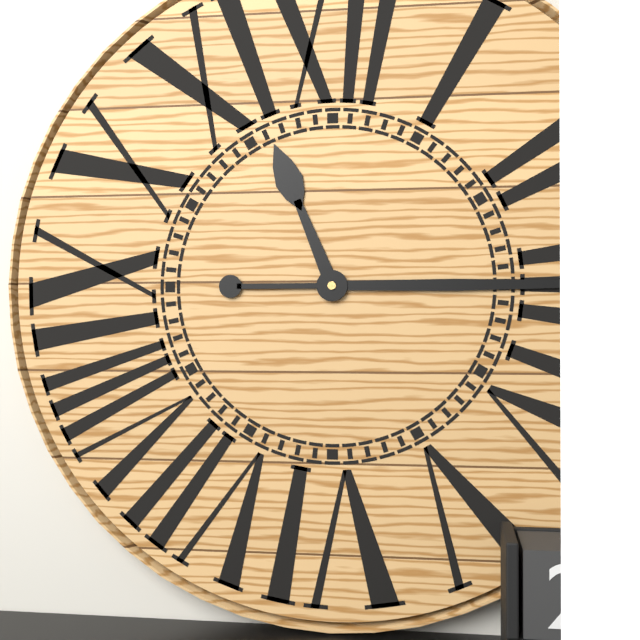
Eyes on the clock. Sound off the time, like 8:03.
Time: 11:15
